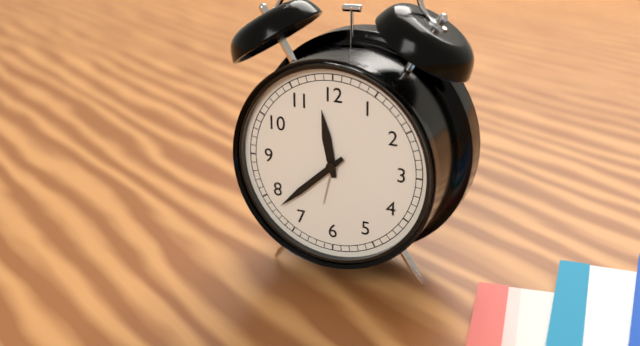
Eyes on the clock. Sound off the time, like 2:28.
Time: 11:38
